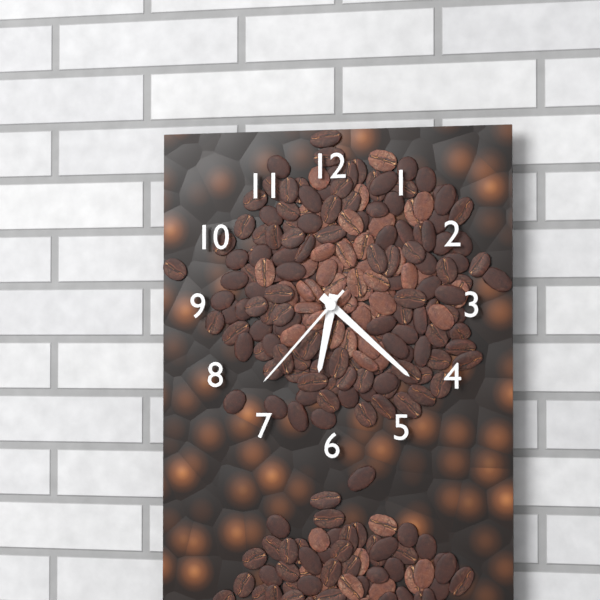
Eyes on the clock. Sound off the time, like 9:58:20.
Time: 6:22:37
